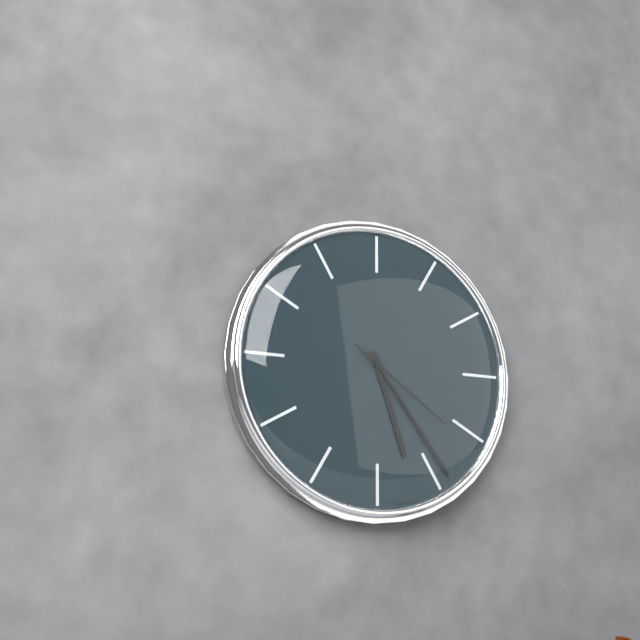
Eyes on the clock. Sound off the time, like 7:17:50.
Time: 5:24:21
